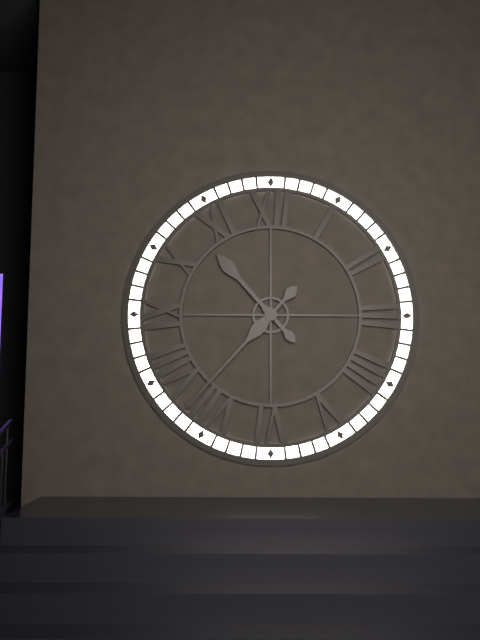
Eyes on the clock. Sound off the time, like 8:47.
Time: 10:37
